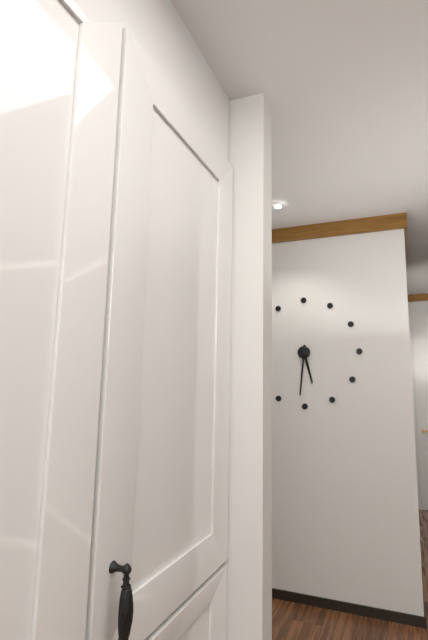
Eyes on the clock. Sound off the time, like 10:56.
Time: 5:31
